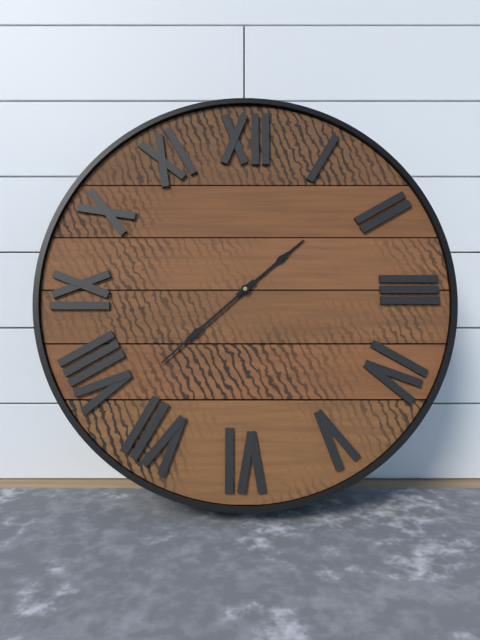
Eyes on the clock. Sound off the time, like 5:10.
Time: 1:38
